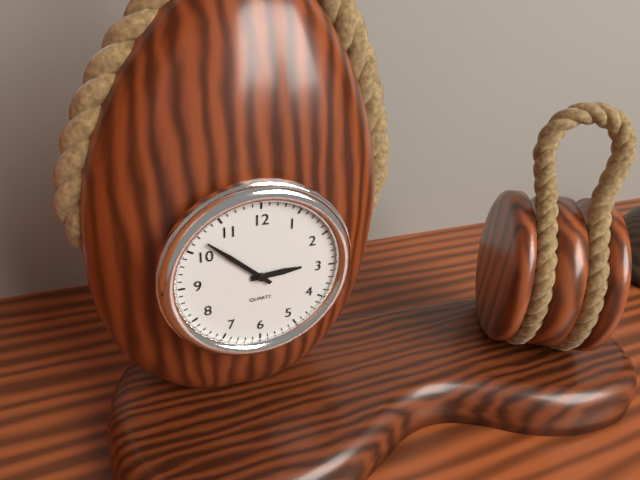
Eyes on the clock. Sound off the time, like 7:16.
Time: 2:52
